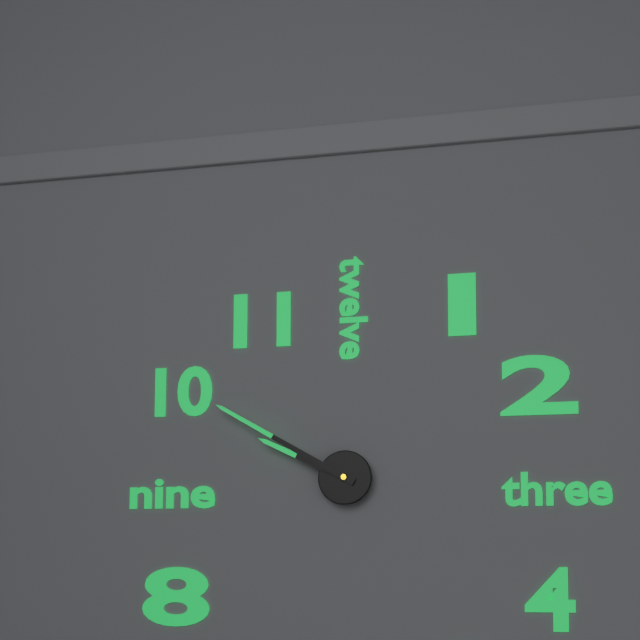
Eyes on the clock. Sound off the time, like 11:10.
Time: 9:50
